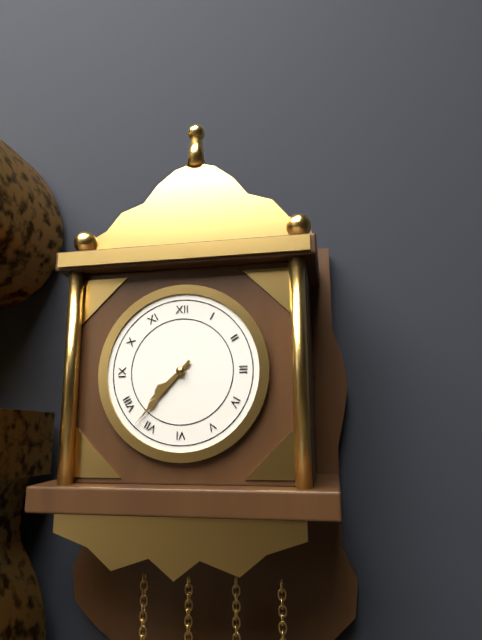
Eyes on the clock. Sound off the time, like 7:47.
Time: 7:37
